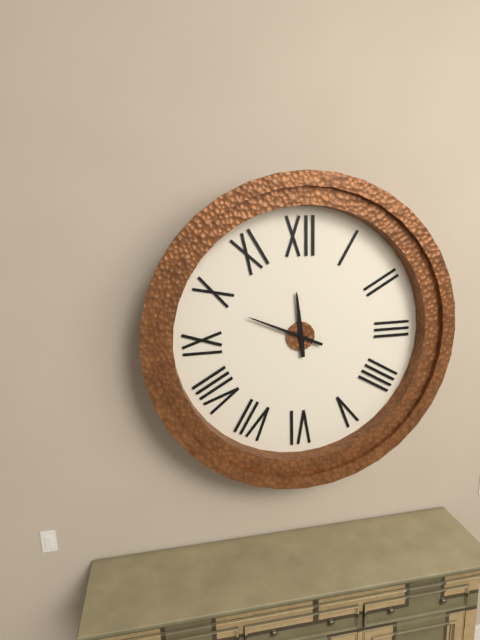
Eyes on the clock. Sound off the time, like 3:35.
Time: 11:49
